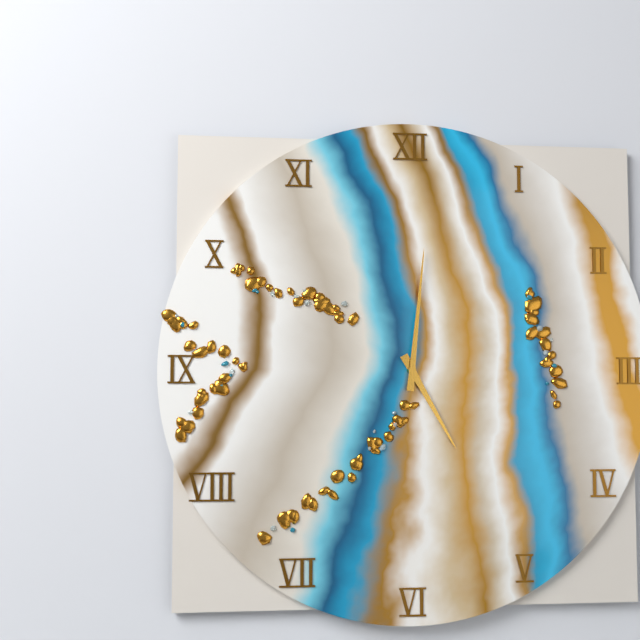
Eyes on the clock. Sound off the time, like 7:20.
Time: 5:01
